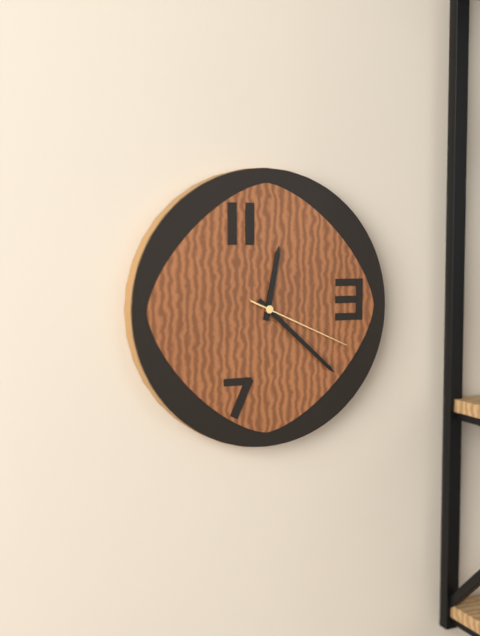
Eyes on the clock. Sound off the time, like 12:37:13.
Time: 12:22:19
